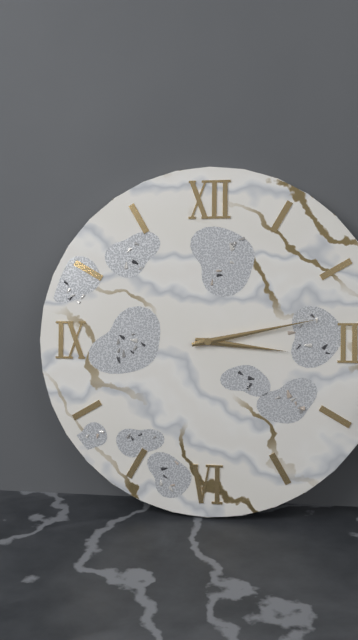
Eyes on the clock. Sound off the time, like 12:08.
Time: 3:13
